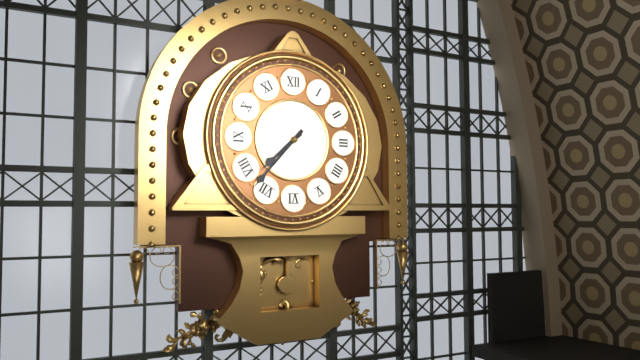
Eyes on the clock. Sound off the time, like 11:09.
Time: 7:37
